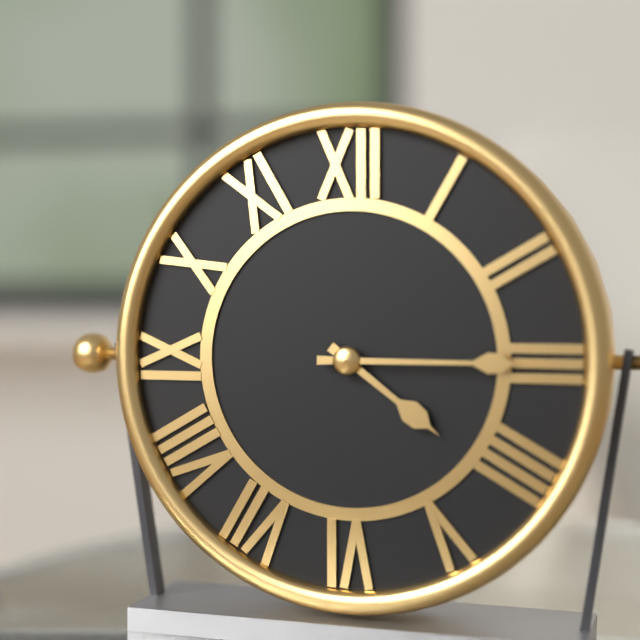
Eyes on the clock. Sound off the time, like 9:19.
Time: 4:15
